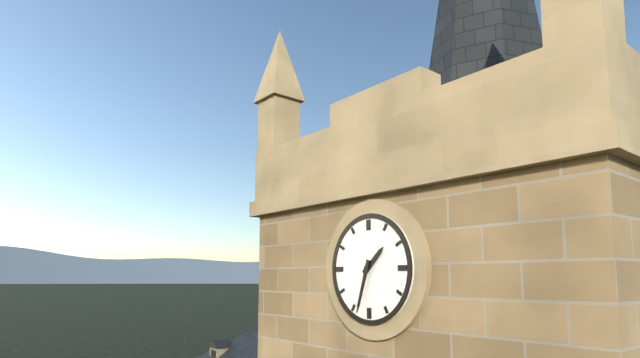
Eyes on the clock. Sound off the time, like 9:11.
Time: 1:33
